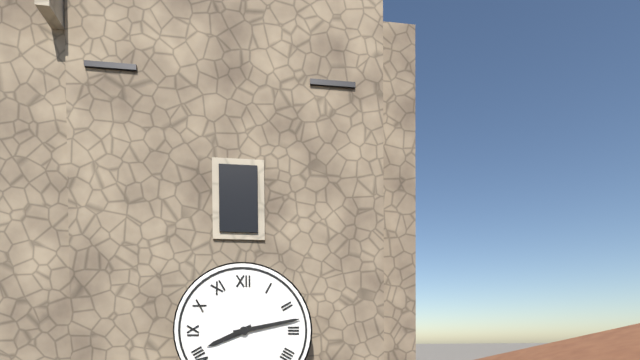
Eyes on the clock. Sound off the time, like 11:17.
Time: 8:13
